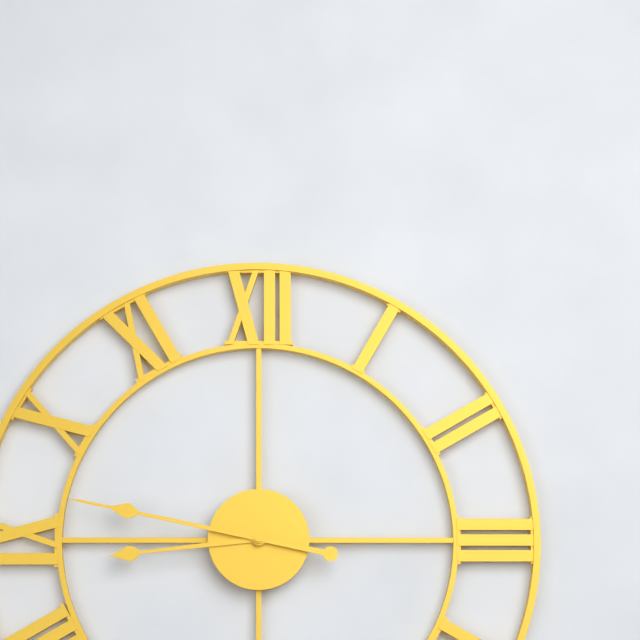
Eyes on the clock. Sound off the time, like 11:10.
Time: 8:47
